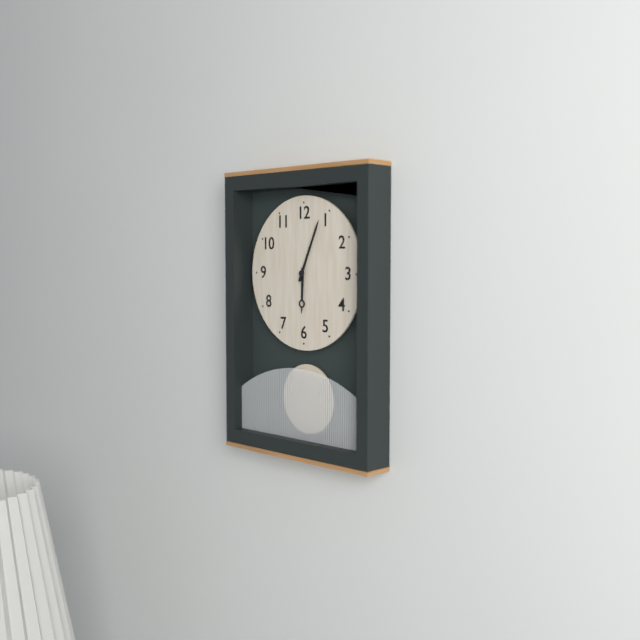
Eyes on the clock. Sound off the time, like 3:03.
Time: 6:04
